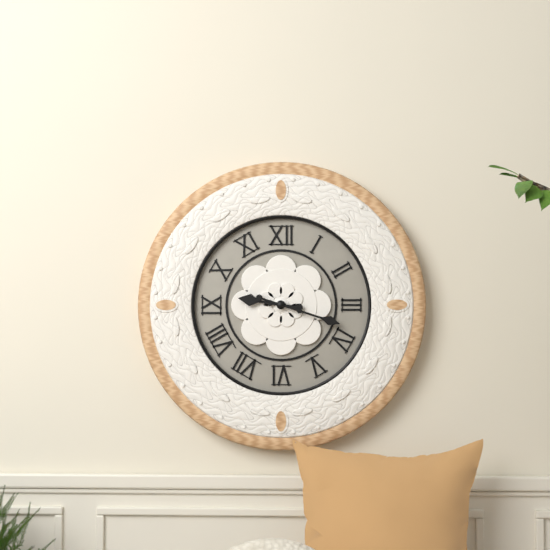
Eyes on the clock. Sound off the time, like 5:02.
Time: 9:18
